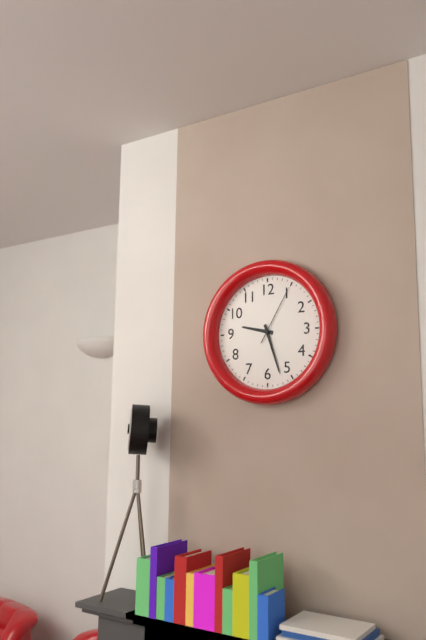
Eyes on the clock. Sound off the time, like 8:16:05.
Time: 9:27:05
